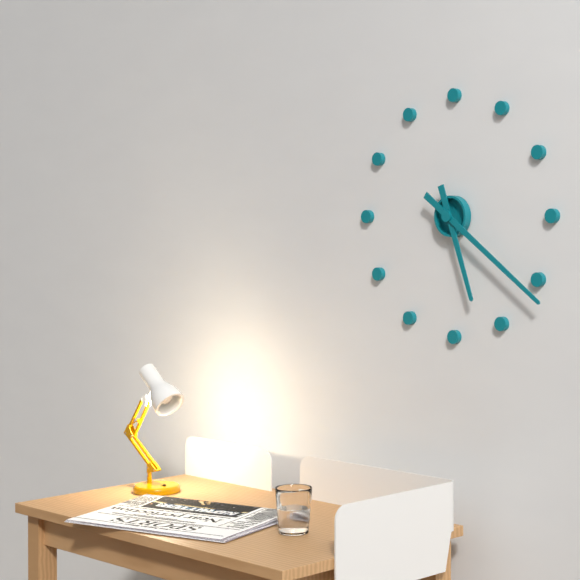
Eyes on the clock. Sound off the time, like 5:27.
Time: 5:21
